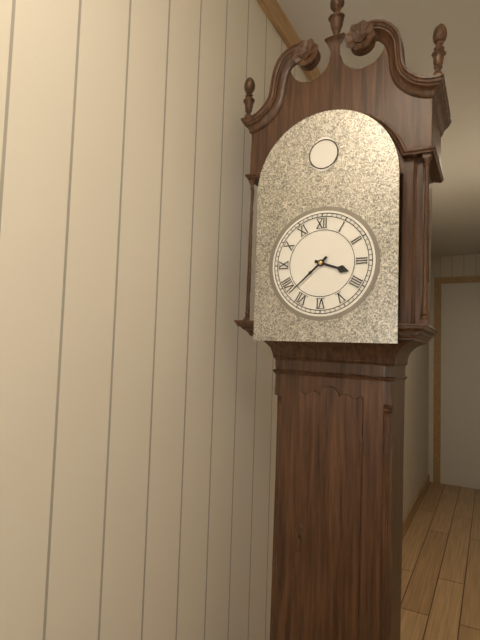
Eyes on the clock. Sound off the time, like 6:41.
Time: 3:38
